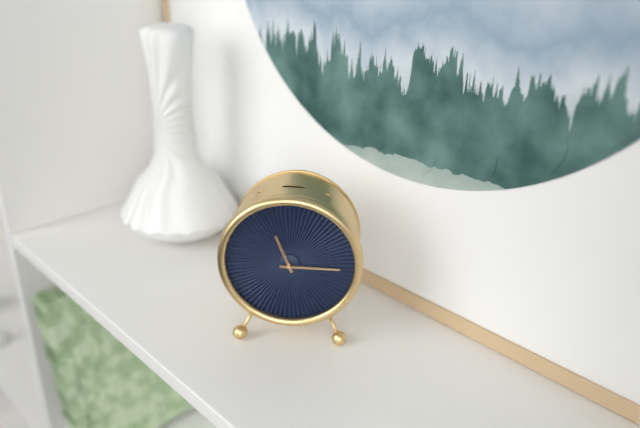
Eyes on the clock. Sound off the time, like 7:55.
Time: 11:15
